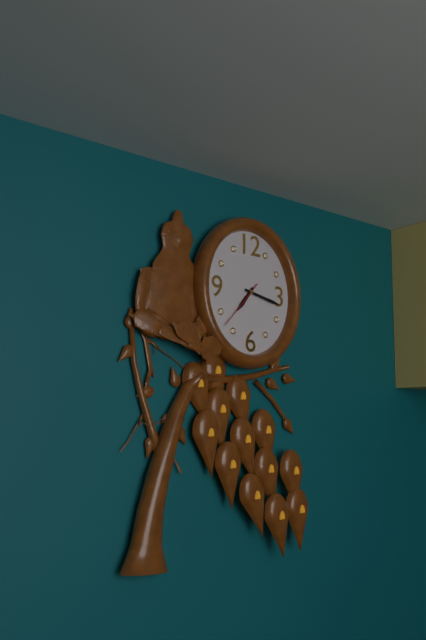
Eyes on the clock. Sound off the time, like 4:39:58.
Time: 7:17:37
